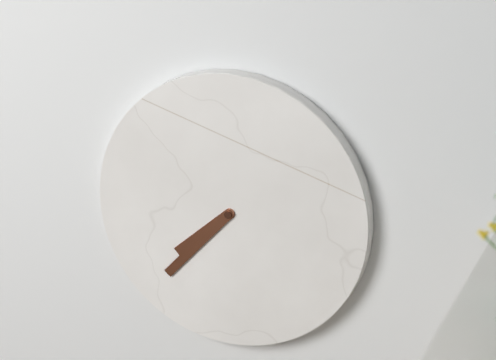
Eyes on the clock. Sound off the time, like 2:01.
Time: 7:37
